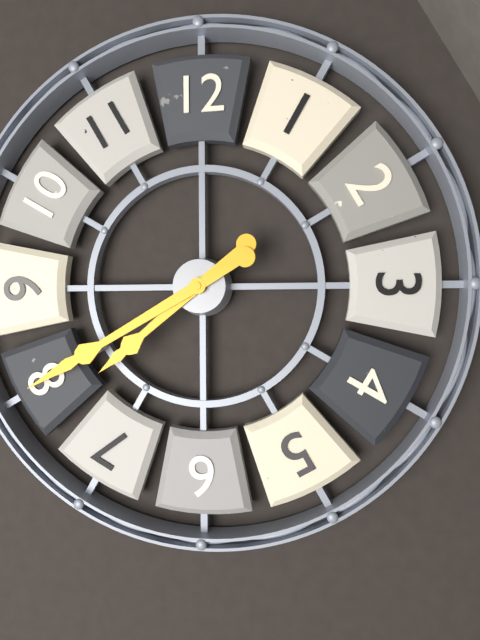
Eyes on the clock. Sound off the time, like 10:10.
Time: 7:40
